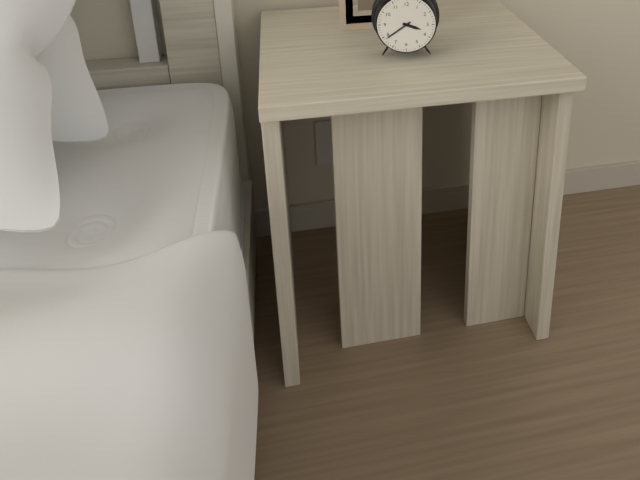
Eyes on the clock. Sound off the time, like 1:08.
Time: 3:39
